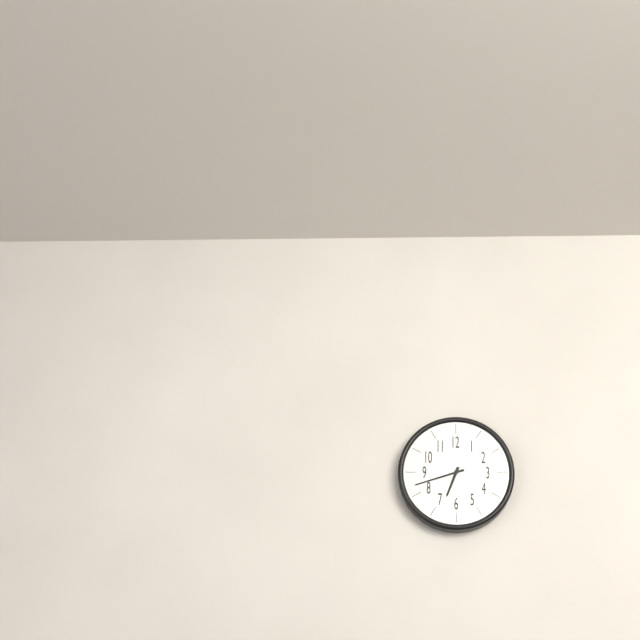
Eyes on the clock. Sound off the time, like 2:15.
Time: 6:42
